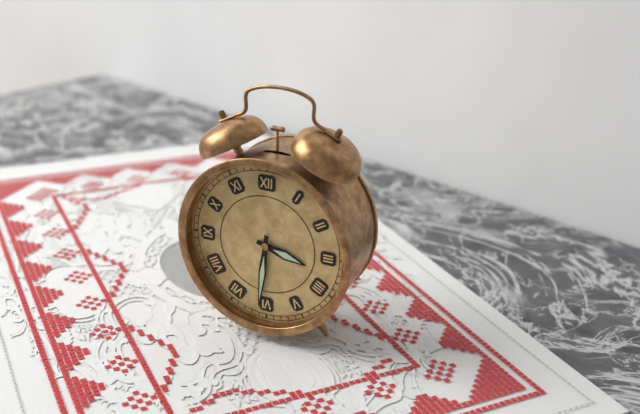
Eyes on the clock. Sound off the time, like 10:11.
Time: 3:31
